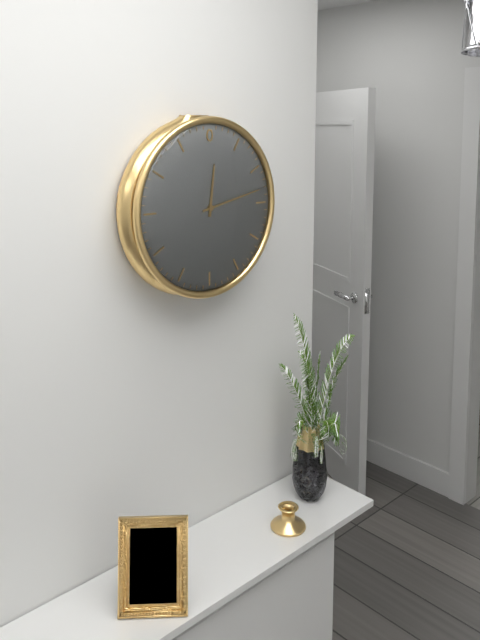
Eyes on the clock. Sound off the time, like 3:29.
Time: 12:13
